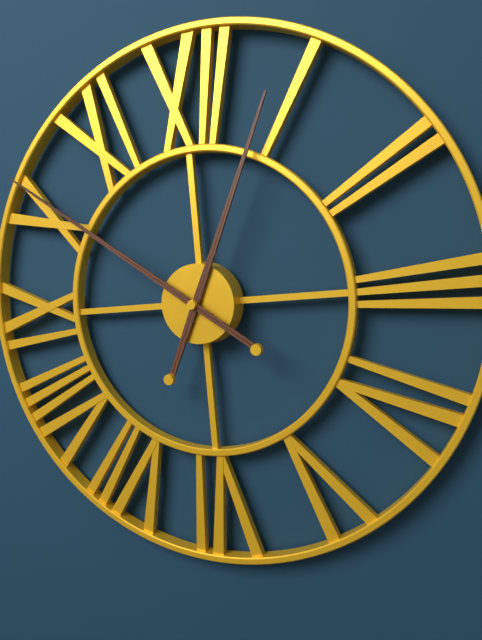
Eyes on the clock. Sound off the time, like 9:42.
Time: 12:51
